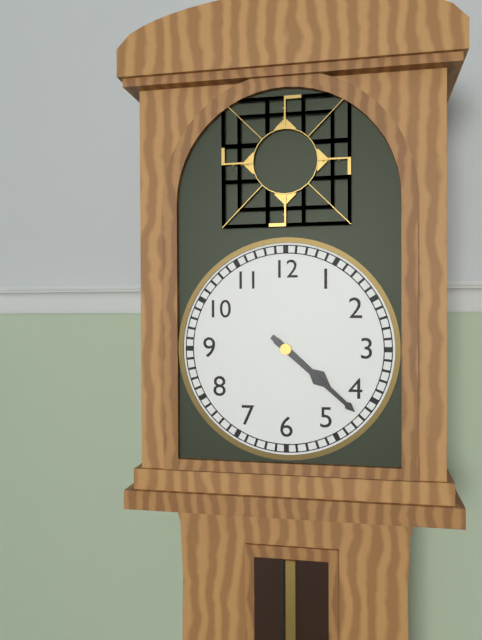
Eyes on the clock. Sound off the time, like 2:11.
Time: 4:22
